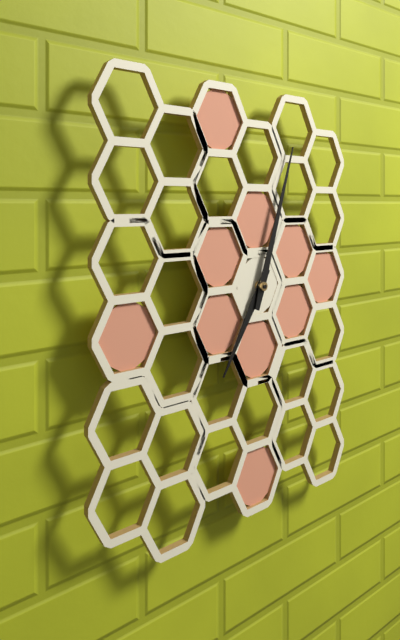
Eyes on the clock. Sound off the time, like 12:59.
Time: 7:03
